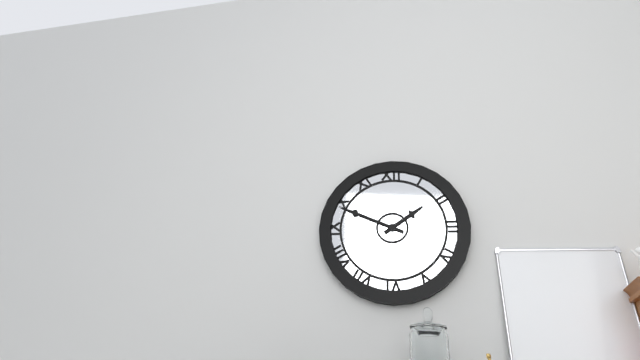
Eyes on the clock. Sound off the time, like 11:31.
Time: 1:49
